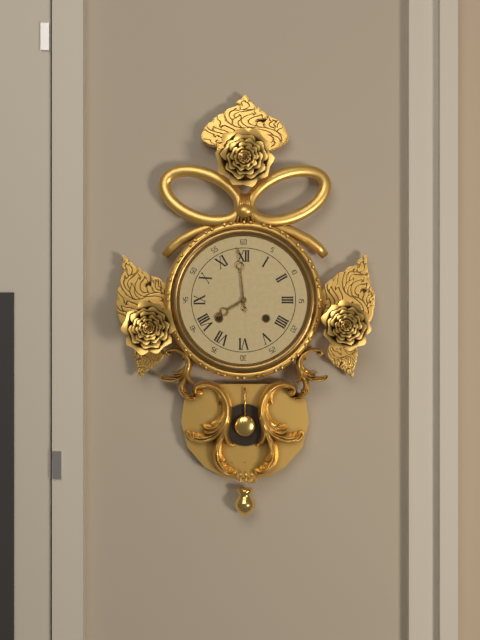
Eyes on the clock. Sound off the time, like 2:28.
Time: 7:59
